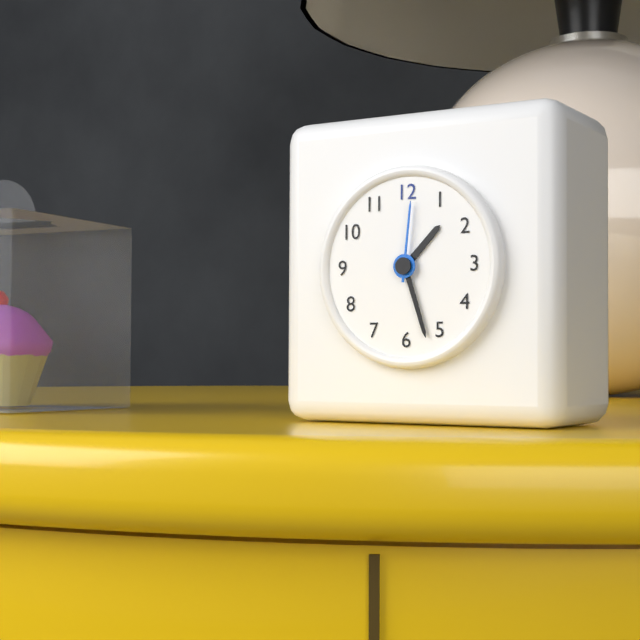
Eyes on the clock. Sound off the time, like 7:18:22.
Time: 1:27:01
